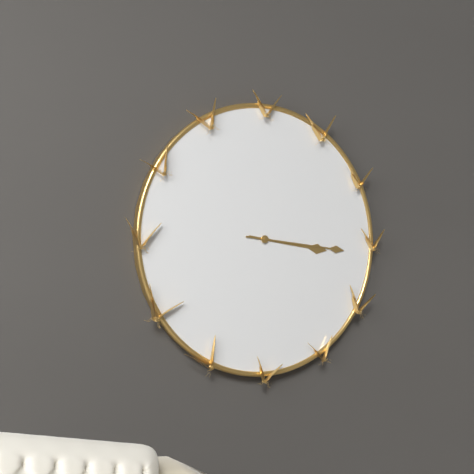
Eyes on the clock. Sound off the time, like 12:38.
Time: 3:16
